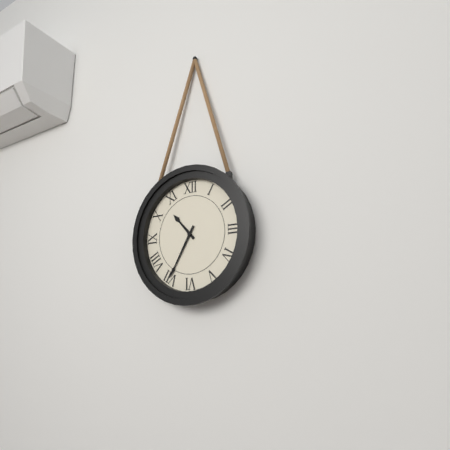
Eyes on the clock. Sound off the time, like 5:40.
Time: 10:35
